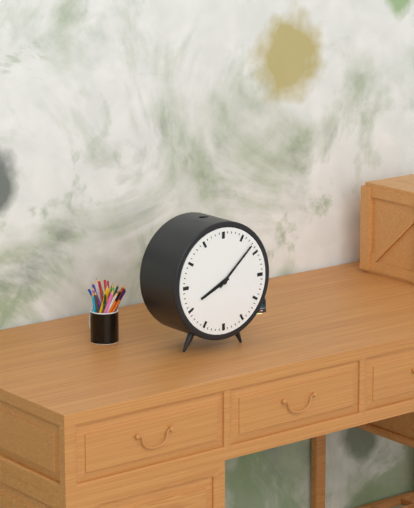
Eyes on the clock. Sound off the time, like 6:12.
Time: 8:08
